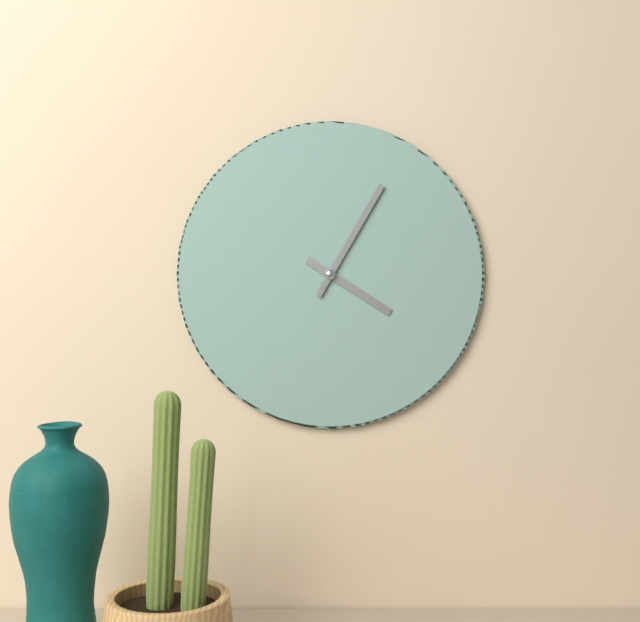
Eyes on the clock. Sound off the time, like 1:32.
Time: 4:05
